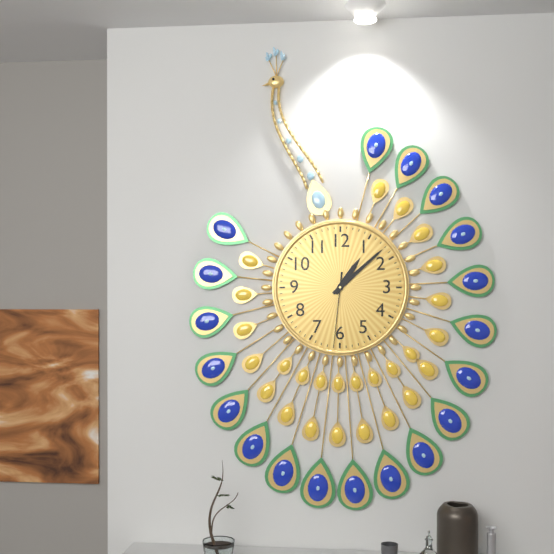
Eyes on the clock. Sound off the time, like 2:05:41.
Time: 1:08:31
